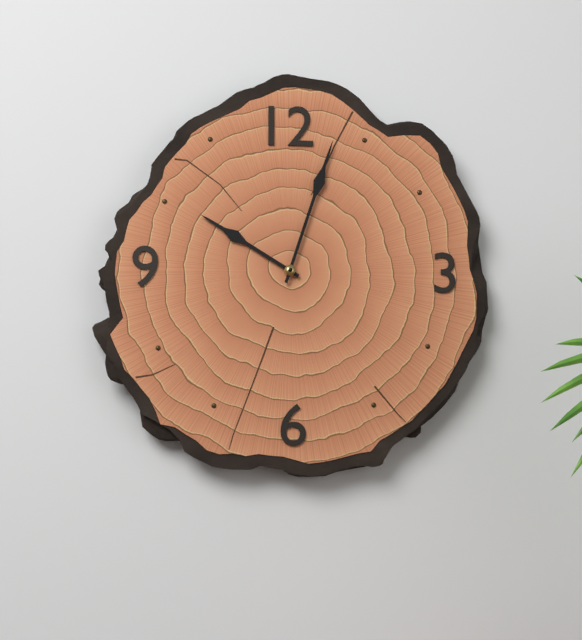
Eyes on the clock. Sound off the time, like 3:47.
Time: 10:03
